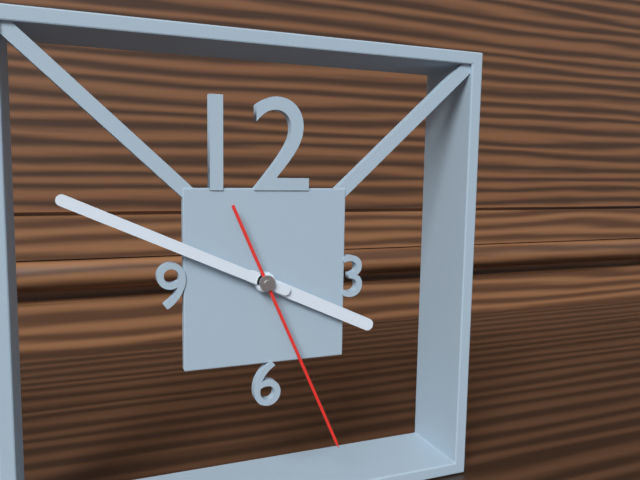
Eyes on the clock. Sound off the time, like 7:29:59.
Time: 3:49:26
